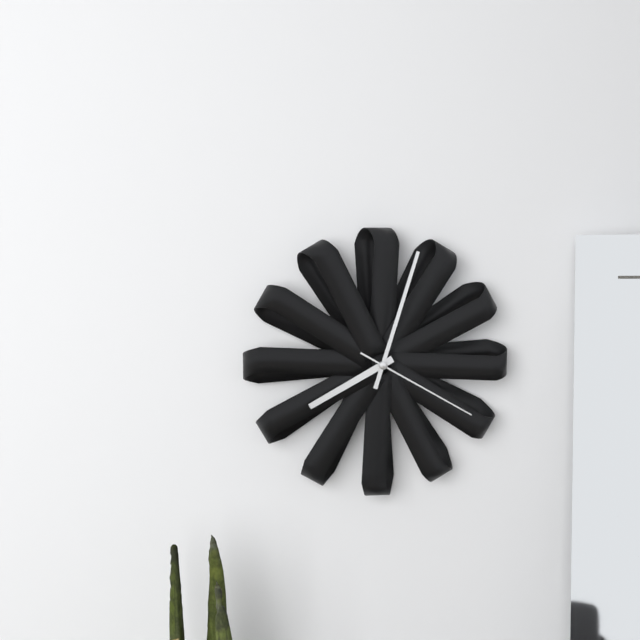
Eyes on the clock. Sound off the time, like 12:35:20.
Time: 8:03:20
